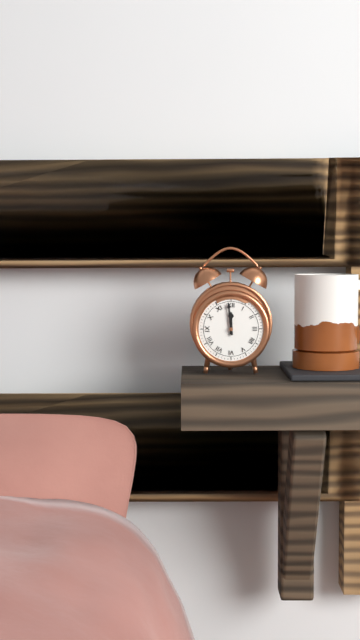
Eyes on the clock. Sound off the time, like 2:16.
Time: 11:59
